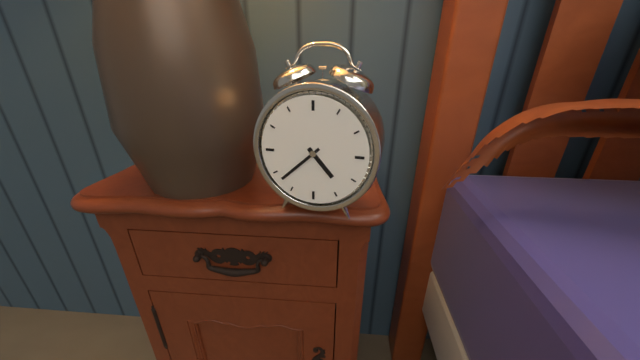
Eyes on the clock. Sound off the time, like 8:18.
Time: 4:38
